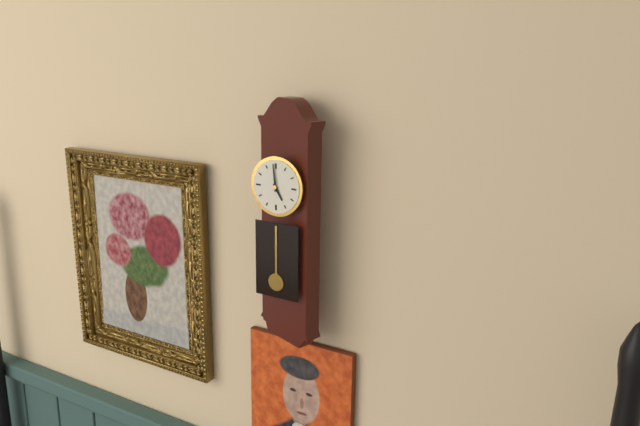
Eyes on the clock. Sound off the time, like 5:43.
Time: 4:59
